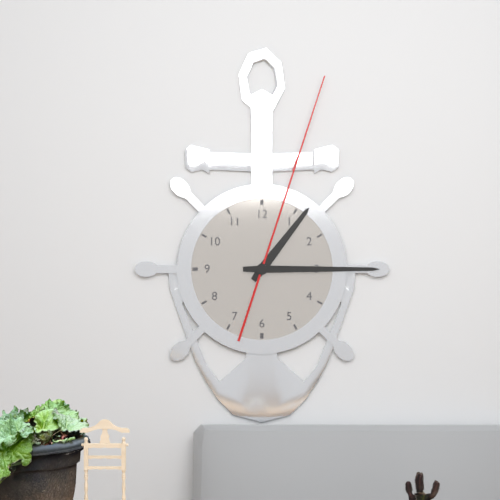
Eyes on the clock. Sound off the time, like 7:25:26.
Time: 1:15:03
